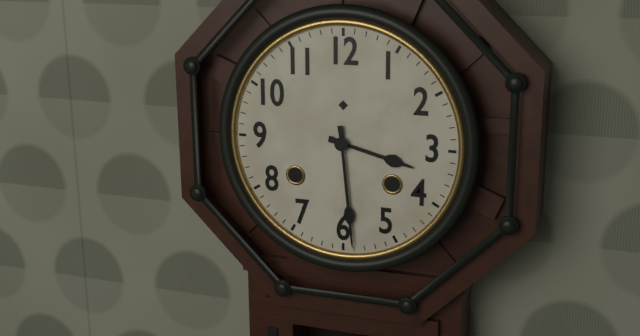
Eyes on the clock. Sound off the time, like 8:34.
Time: 3:29
